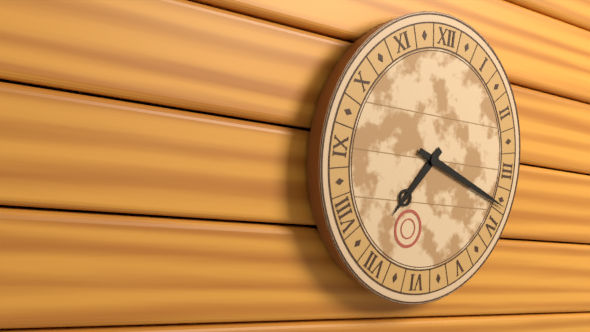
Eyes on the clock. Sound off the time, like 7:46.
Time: 7:18
